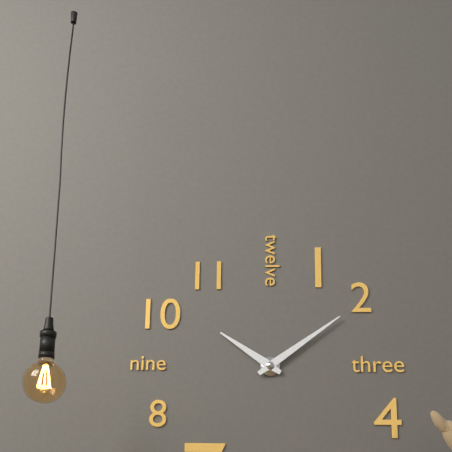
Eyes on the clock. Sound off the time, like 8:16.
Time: 10:09
